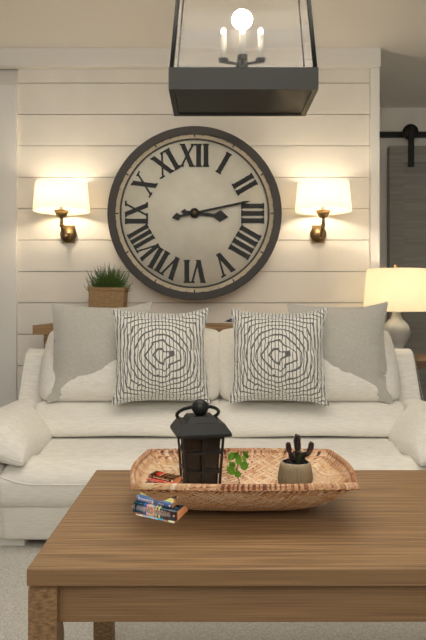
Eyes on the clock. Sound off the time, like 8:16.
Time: 3:13
